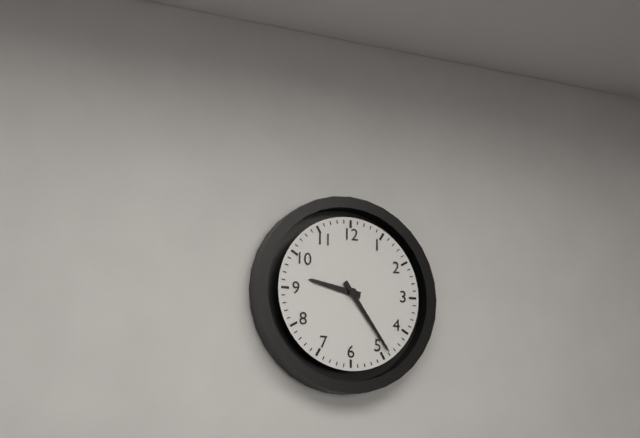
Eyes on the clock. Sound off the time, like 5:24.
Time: 9:24
